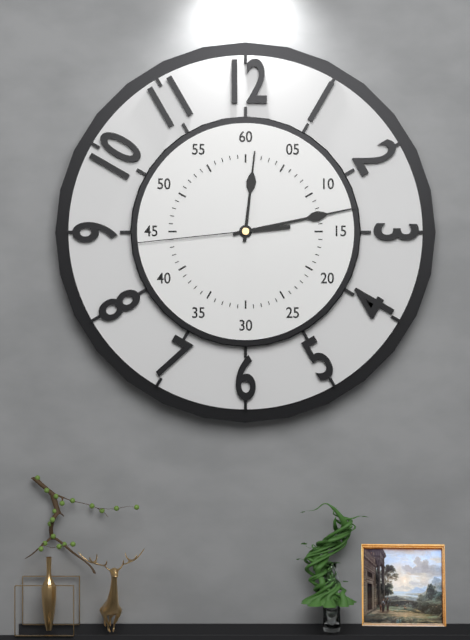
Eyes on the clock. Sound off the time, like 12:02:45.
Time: 12:13:44
